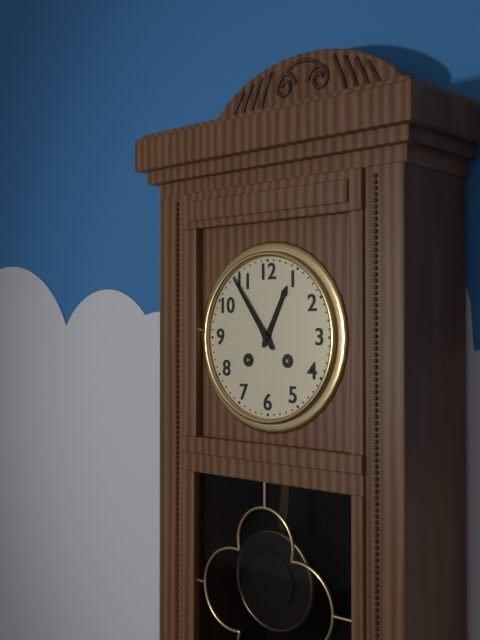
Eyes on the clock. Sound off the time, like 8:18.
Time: 12:54
